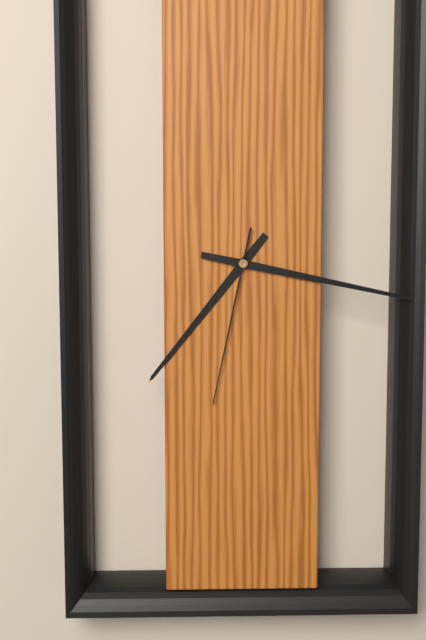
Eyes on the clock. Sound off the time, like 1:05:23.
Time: 7:17:32
